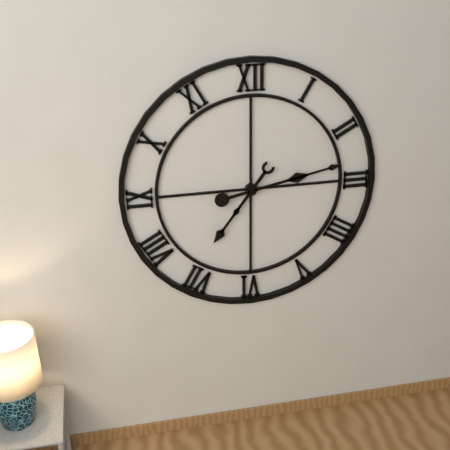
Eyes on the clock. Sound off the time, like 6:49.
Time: 7:13
